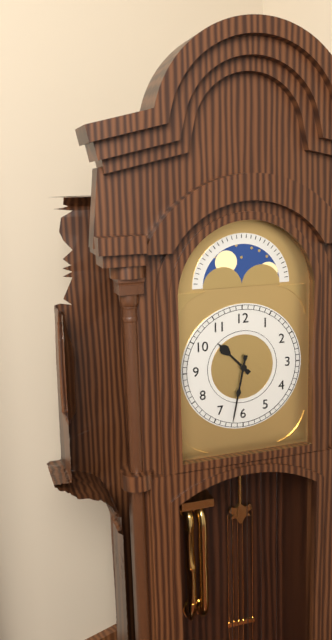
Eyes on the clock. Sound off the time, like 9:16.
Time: 10:32
